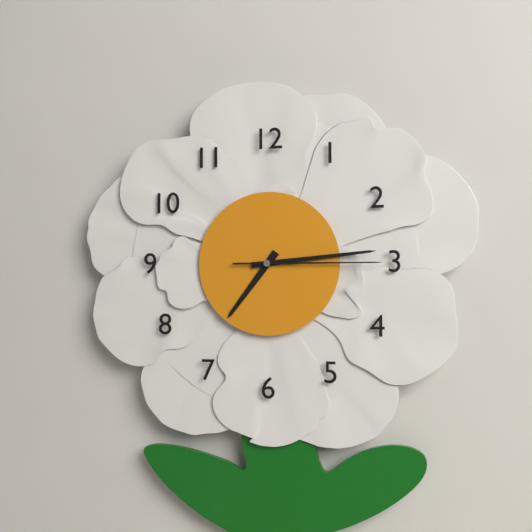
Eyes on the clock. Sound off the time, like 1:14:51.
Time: 7:14:15
